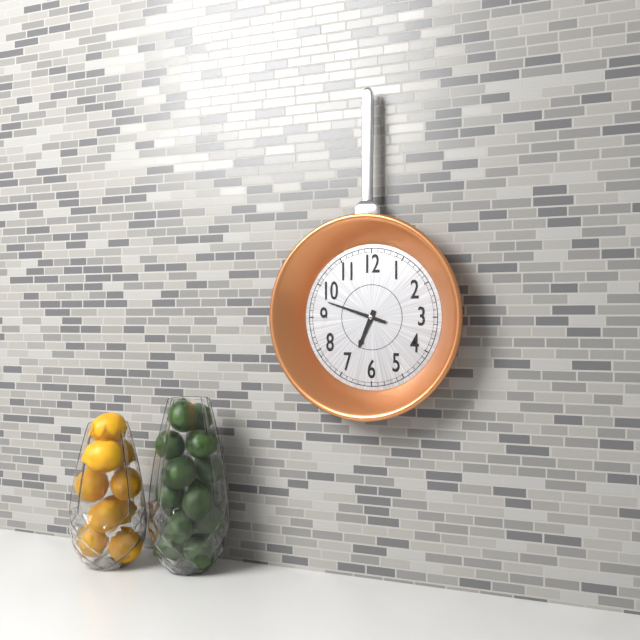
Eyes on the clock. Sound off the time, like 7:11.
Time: 6:48
